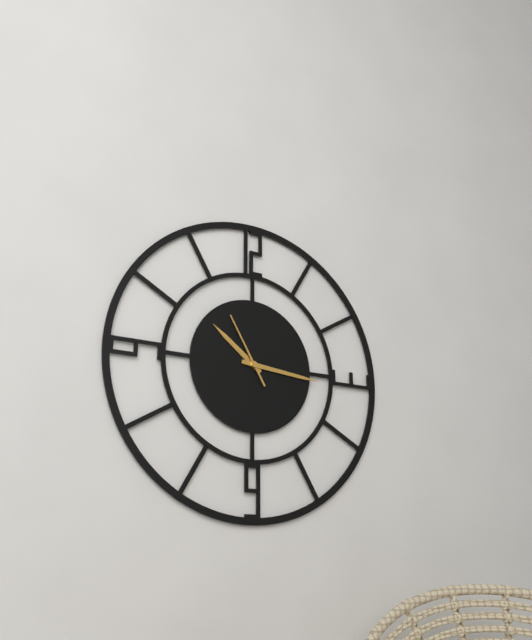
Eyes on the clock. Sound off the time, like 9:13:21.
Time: 10:16:55
